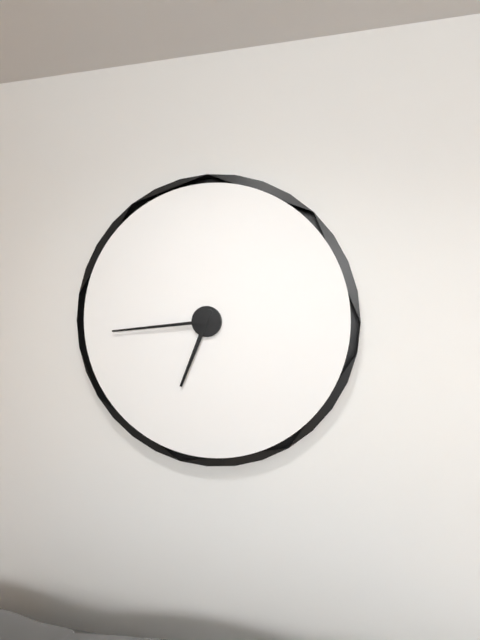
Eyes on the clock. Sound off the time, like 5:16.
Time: 6:44
